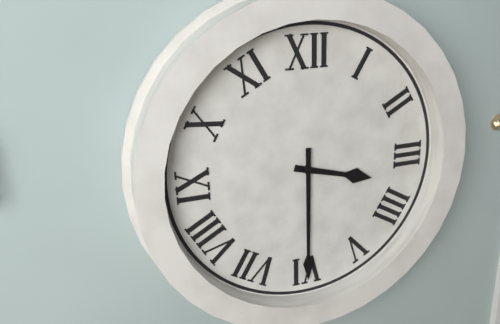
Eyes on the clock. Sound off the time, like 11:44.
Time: 3:30
